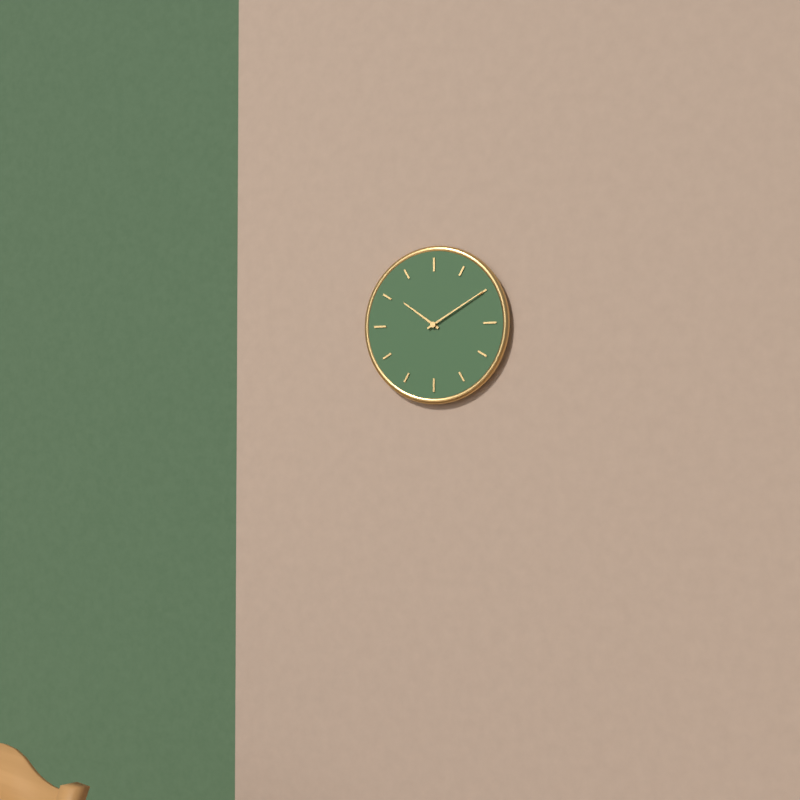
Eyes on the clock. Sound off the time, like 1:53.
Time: 10:10
